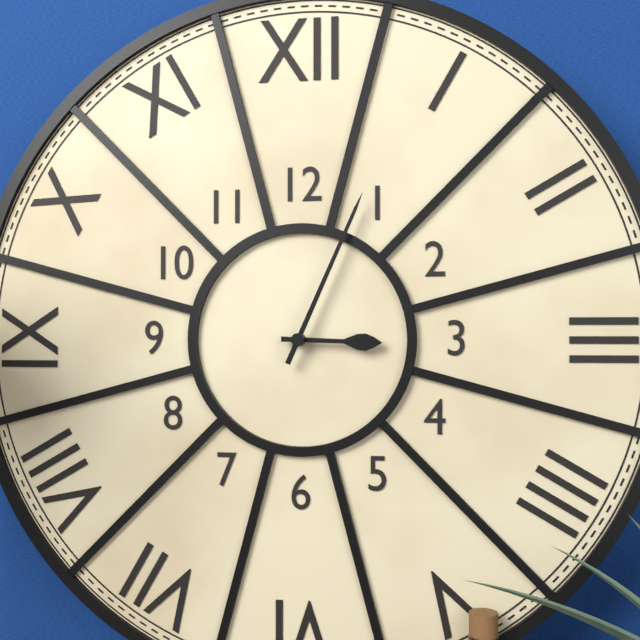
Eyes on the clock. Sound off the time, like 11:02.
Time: 3:04
